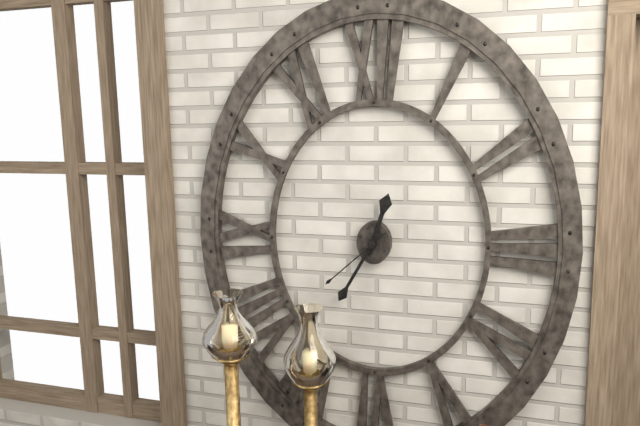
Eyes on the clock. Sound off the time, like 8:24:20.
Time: 12:35:38
